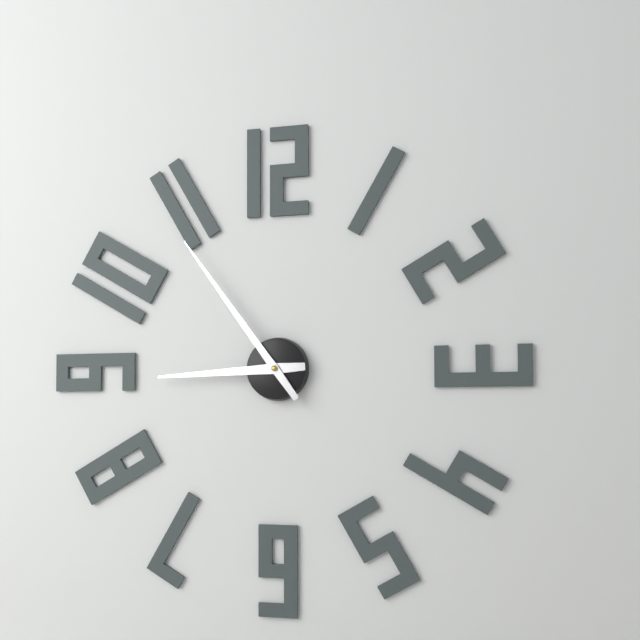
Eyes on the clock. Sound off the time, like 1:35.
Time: 8:54
